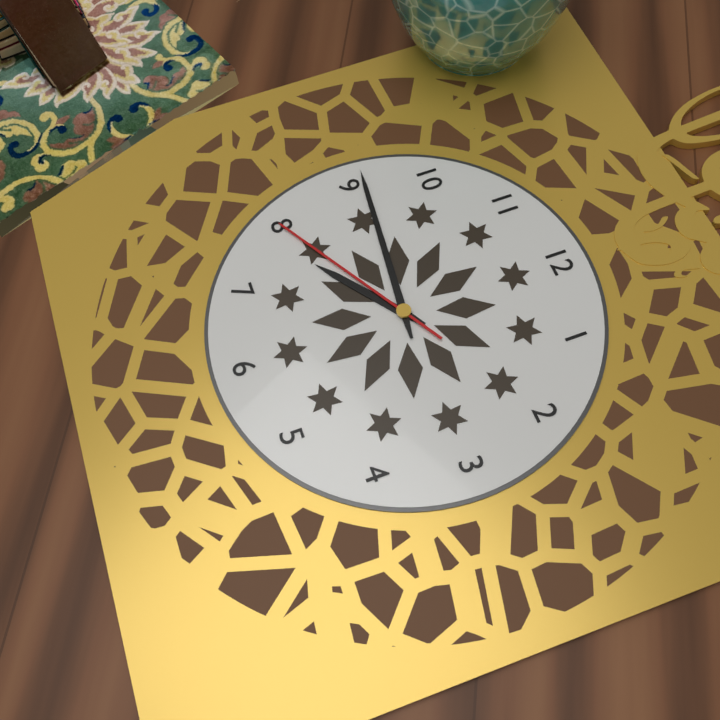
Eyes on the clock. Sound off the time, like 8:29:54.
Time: 7:46:40
